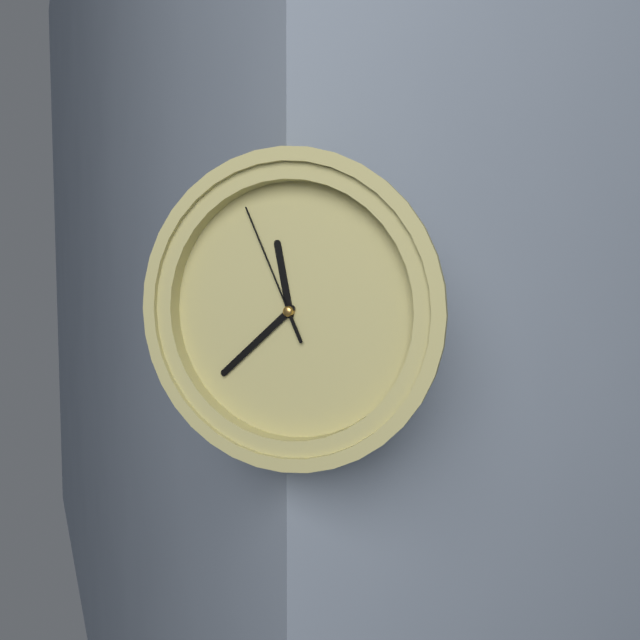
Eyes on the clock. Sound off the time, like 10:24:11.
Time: 11:38:56
